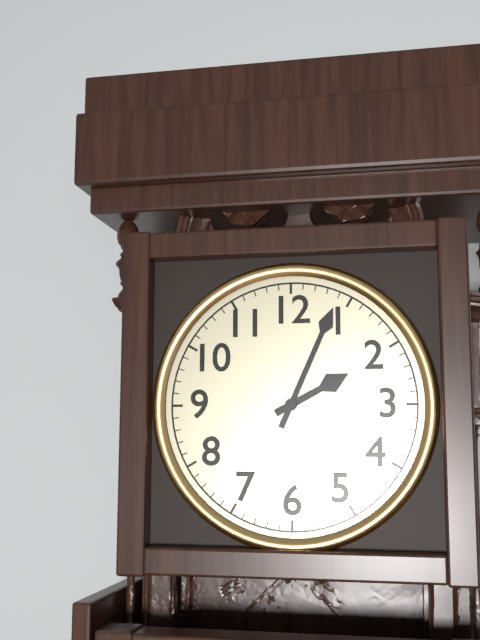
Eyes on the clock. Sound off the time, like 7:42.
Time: 2:04
